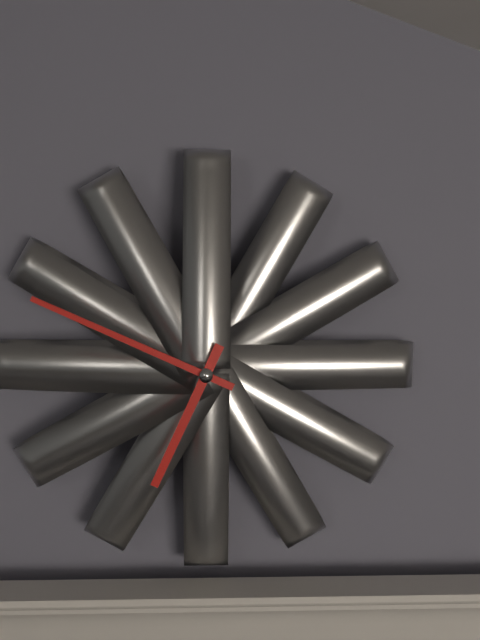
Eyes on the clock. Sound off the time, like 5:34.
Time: 6:49
